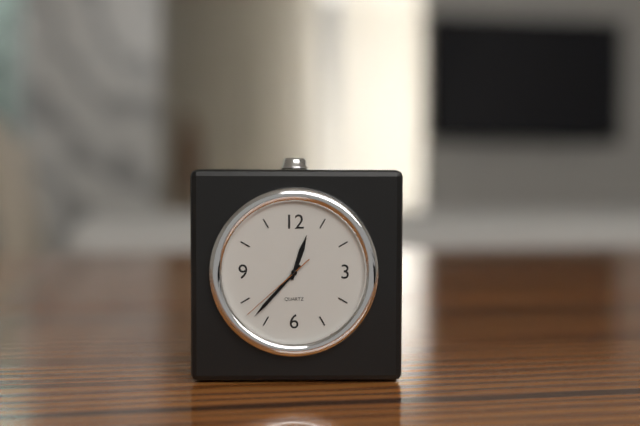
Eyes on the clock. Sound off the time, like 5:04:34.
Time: 12:37:38
